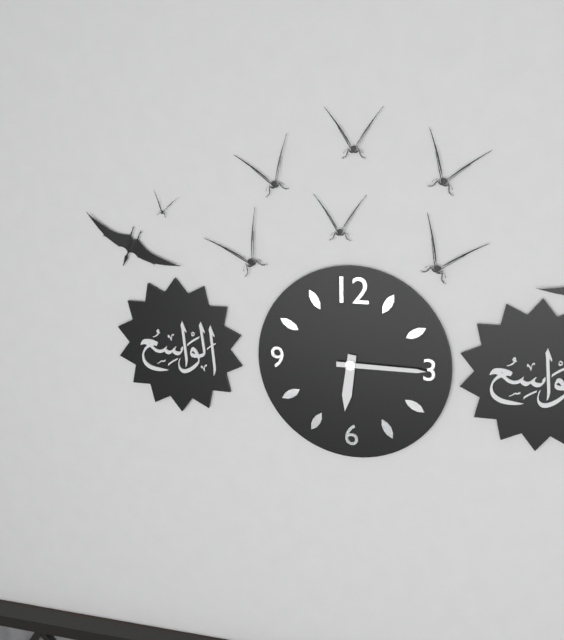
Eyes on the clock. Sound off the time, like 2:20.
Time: 6:15
